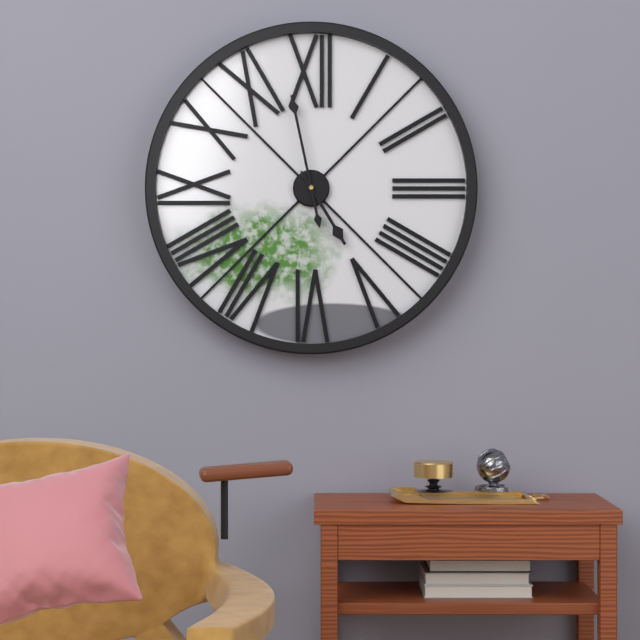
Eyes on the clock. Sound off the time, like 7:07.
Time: 4:58
